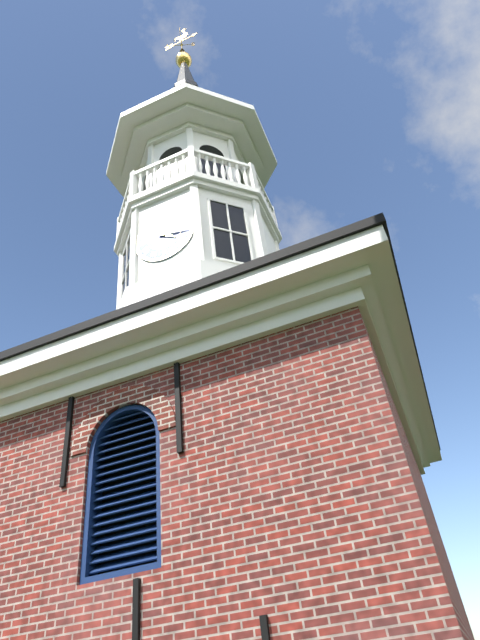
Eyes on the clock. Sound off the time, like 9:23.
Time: 4:17
